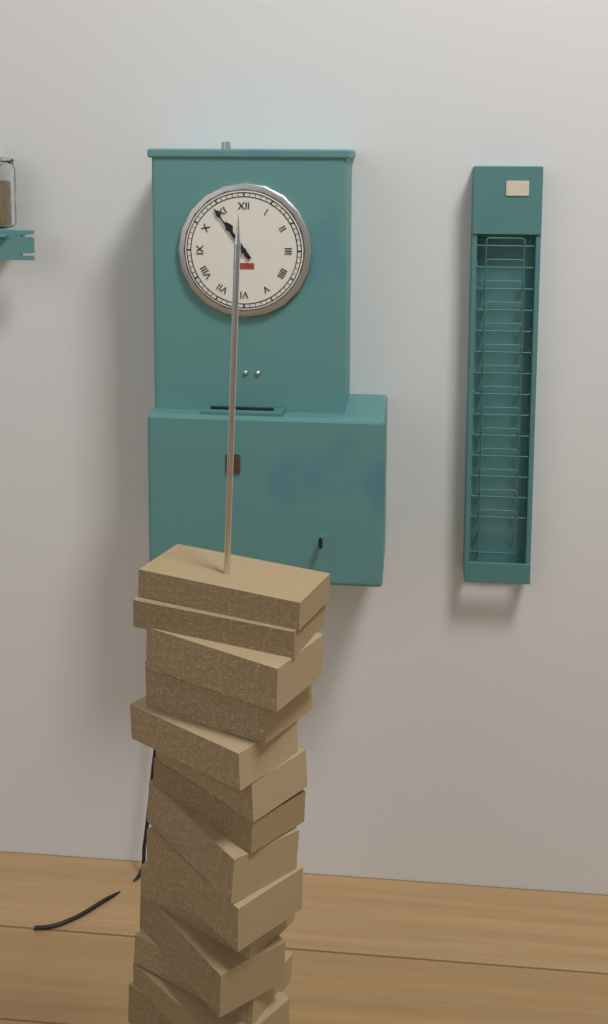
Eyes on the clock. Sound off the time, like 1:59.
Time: 10:54
